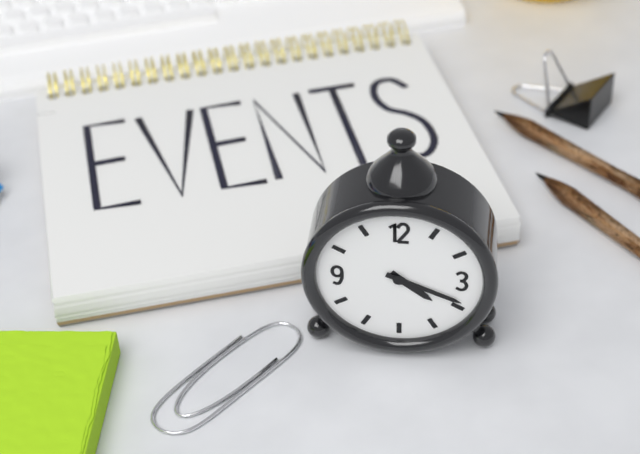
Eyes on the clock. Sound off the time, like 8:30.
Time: 4:19
